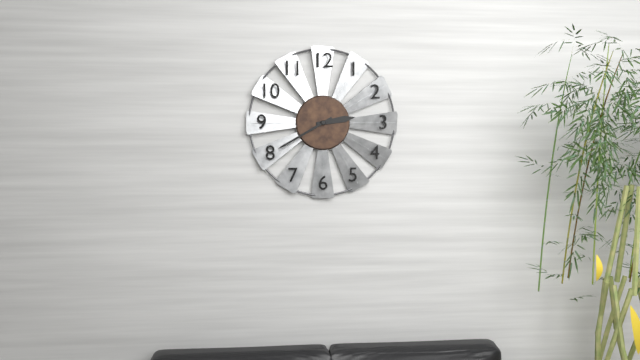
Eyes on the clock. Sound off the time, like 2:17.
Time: 2:40
